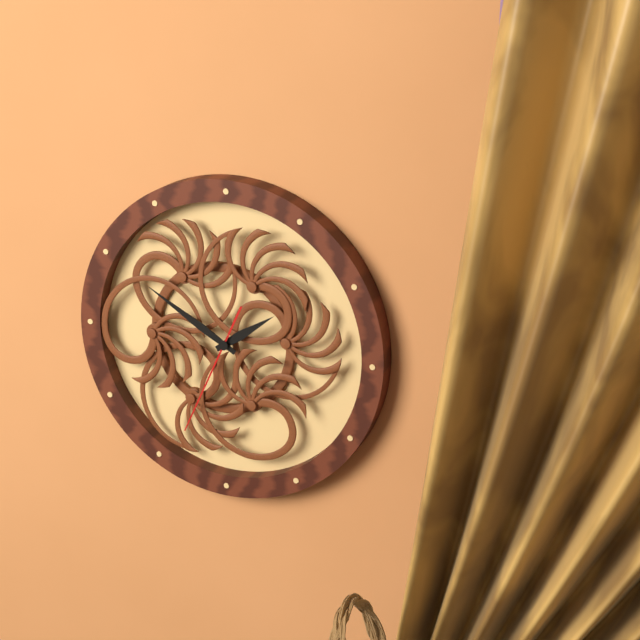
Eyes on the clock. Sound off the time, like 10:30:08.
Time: 1:50:34
